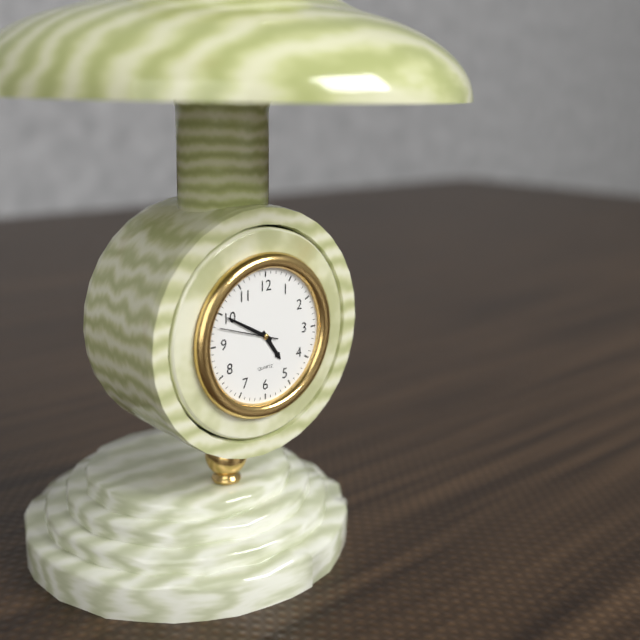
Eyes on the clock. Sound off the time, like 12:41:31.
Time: 4:50:48
